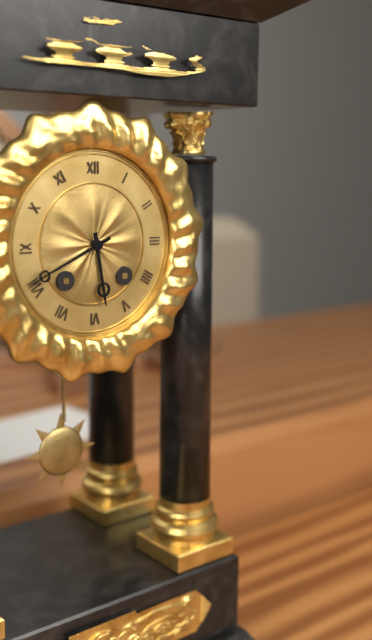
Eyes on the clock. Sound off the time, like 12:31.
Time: 5:41
